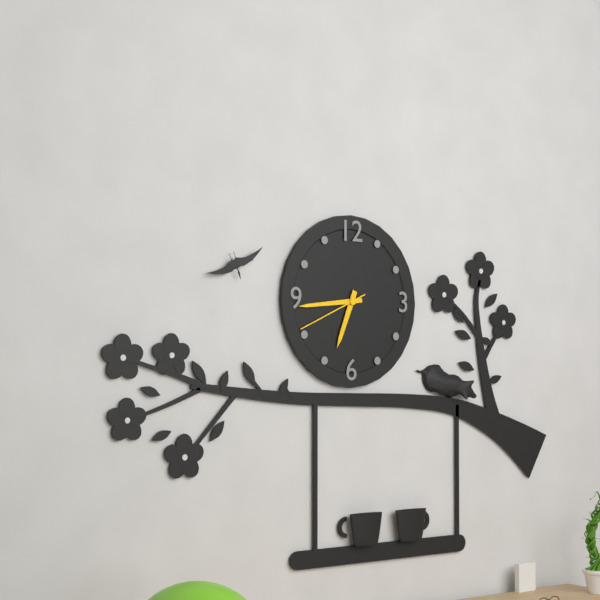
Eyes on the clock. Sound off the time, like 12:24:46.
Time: 6:44:41
